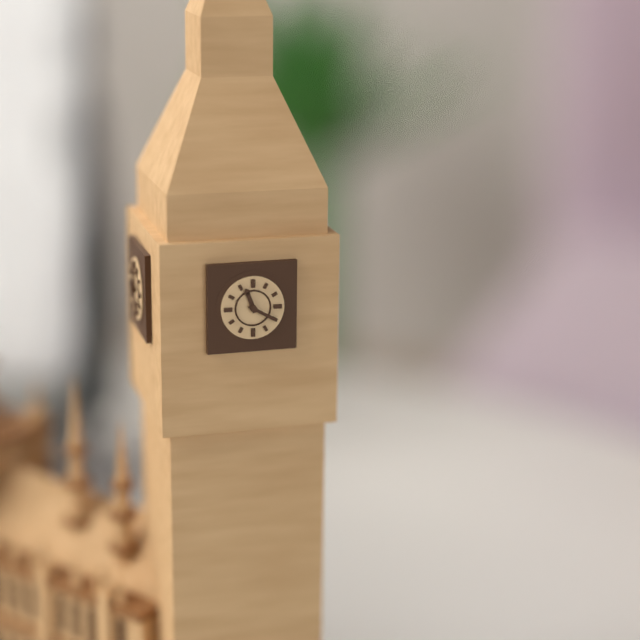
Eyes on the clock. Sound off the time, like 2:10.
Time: 11:20
